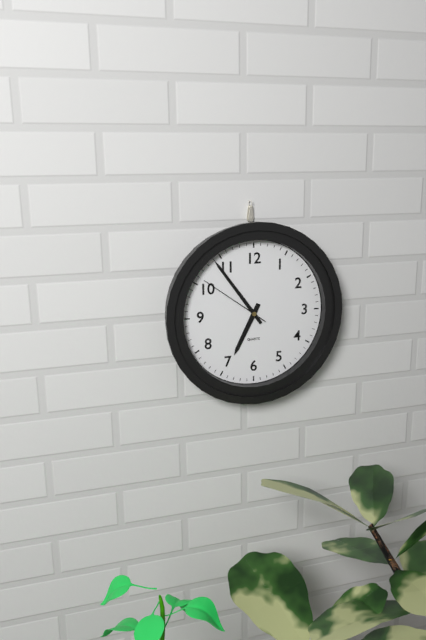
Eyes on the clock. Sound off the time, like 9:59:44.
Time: 6:54:51
